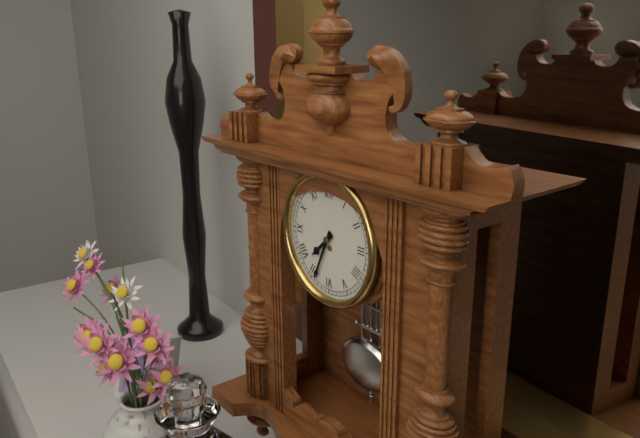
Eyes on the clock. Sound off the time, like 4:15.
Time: 7:34
